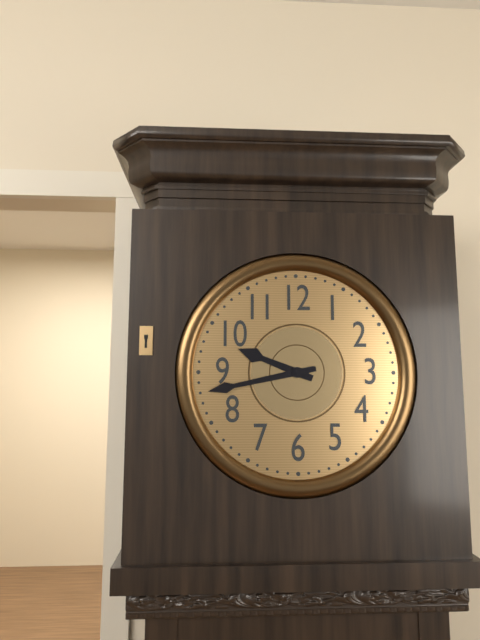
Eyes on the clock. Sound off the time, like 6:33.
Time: 9:43
